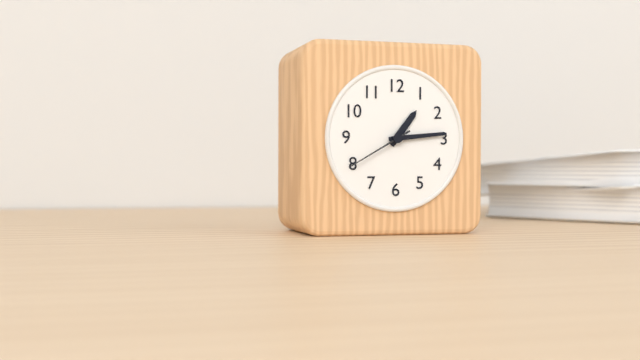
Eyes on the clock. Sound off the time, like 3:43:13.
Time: 1:14:40
